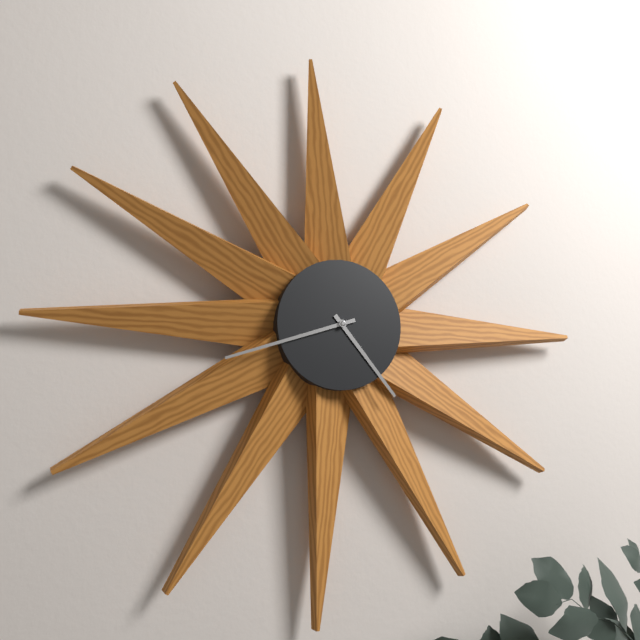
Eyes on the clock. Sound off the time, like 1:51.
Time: 4:42
